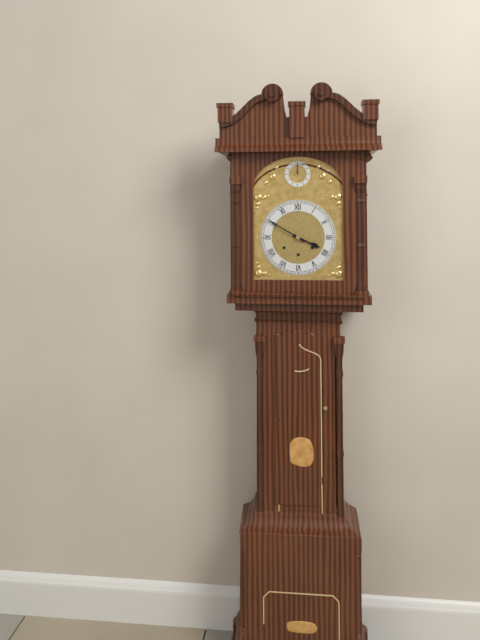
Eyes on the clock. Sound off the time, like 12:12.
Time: 3:50
